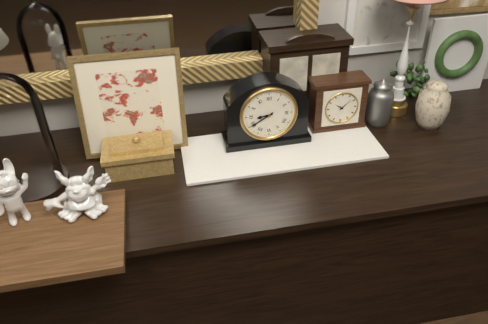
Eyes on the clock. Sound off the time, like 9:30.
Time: 8:40
